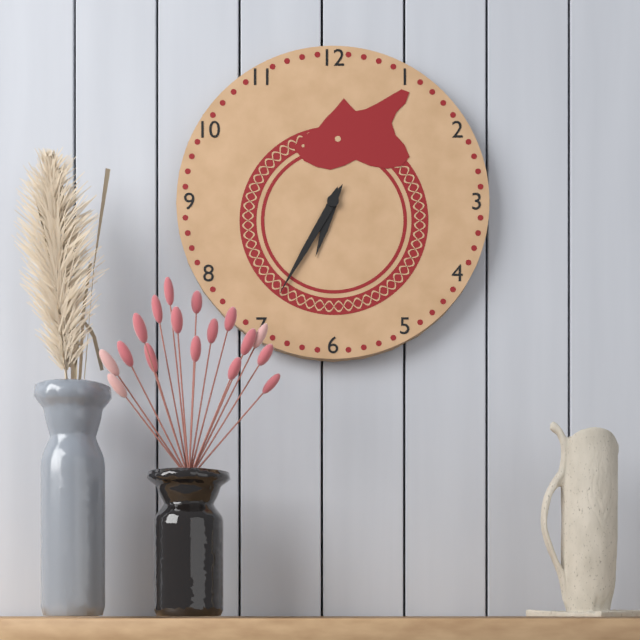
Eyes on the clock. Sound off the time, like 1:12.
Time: 6:35
